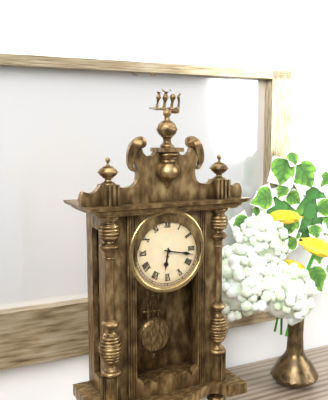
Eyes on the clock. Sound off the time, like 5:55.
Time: 6:17
